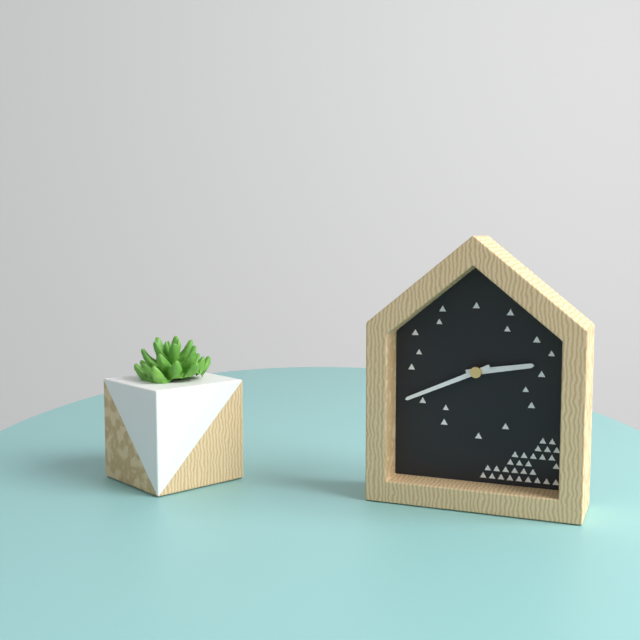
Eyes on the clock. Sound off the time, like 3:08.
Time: 2:41
